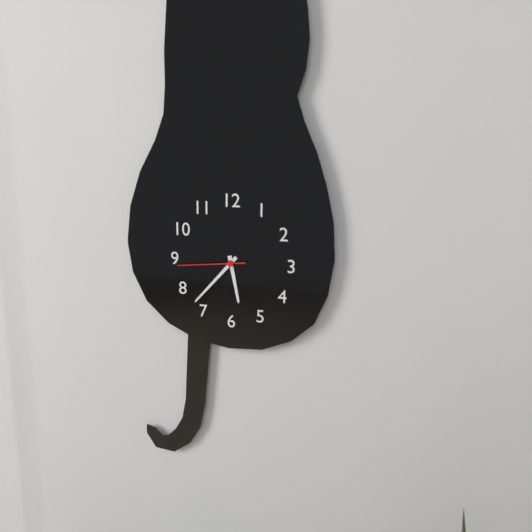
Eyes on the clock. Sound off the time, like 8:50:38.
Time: 5:37:44
